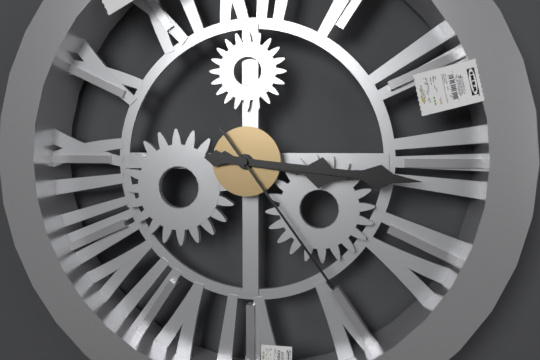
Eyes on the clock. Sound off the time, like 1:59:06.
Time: 3:16:24
